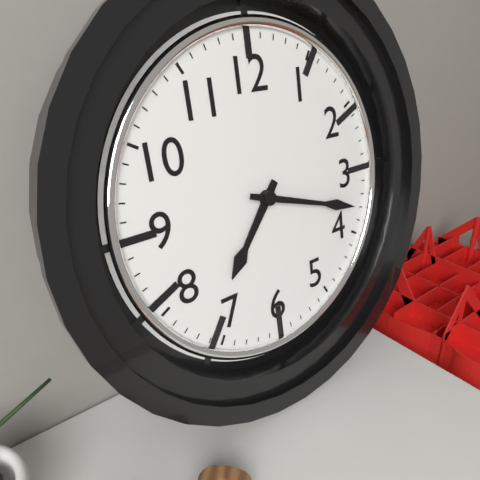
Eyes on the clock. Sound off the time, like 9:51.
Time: 7:18
